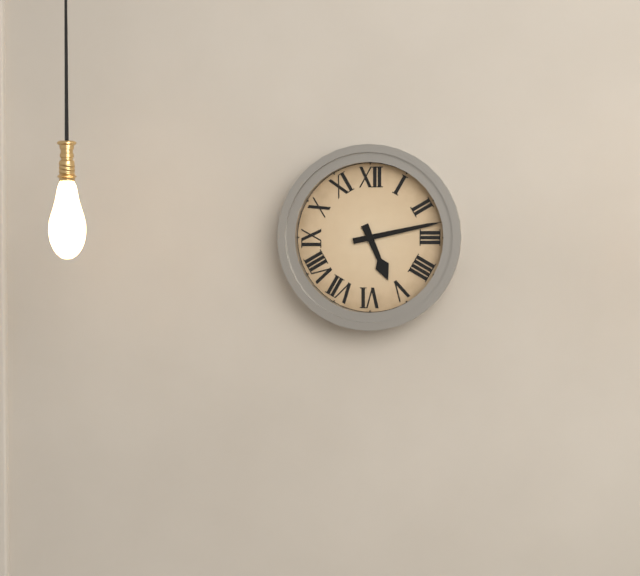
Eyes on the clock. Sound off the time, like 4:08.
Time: 5:13
